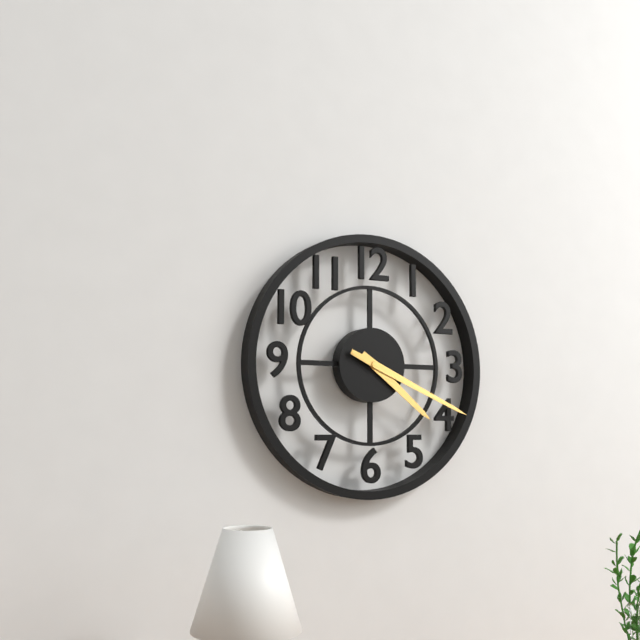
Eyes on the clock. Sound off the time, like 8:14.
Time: 4:19
